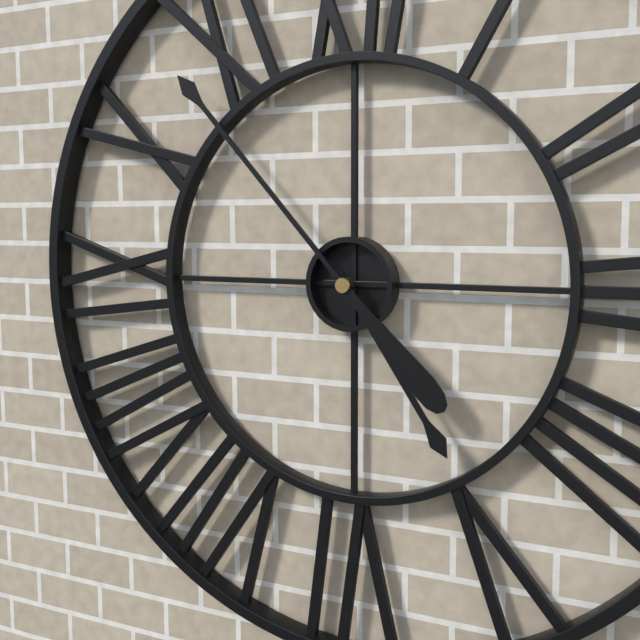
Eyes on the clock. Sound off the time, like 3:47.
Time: 4:53
